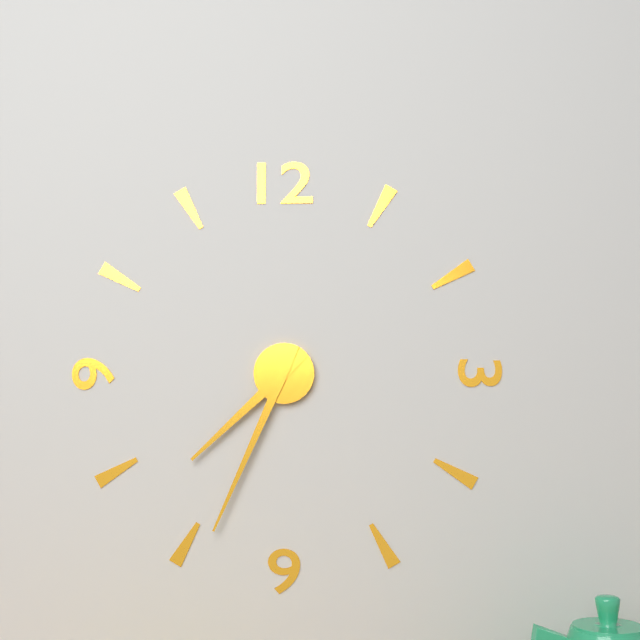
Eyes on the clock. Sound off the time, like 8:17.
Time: 7:34
